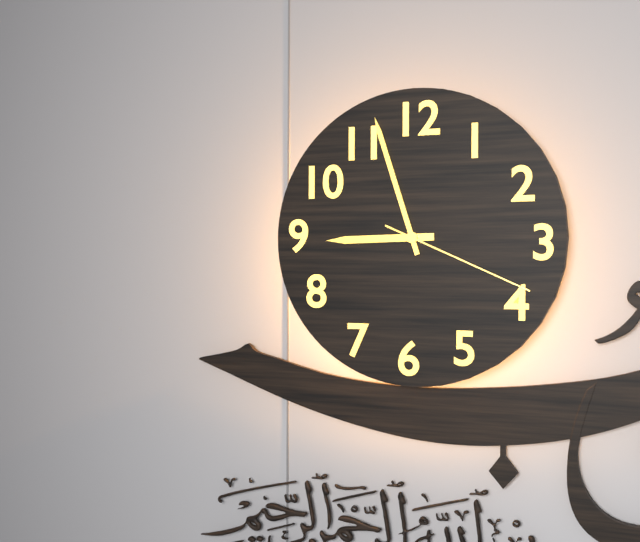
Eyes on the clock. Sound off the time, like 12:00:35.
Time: 8:57:19
